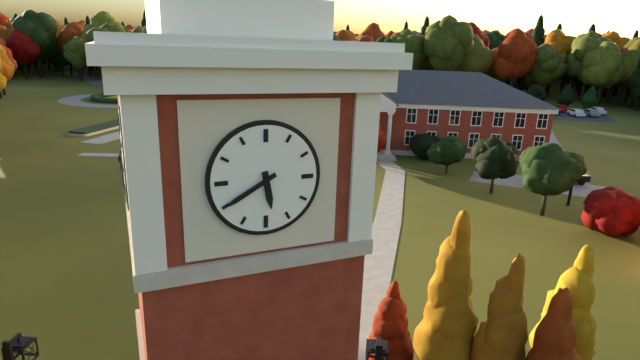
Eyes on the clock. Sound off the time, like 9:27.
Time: 5:40
